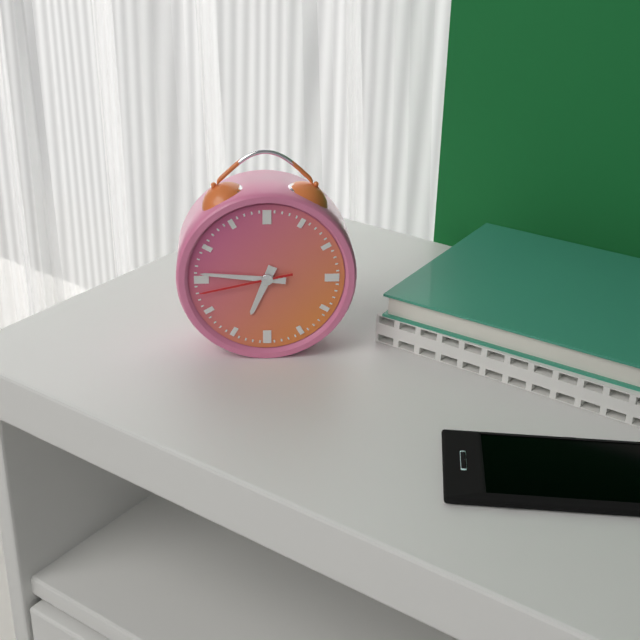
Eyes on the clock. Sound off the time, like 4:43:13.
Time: 6:46:43
